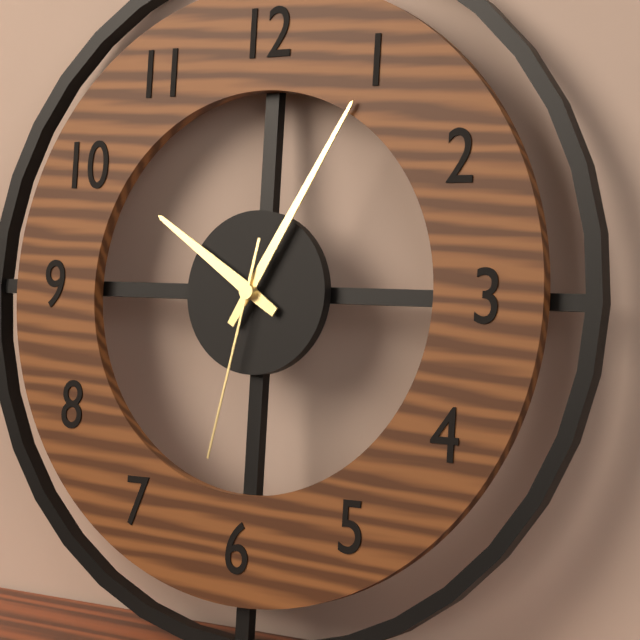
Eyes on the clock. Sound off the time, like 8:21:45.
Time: 10:05:32
